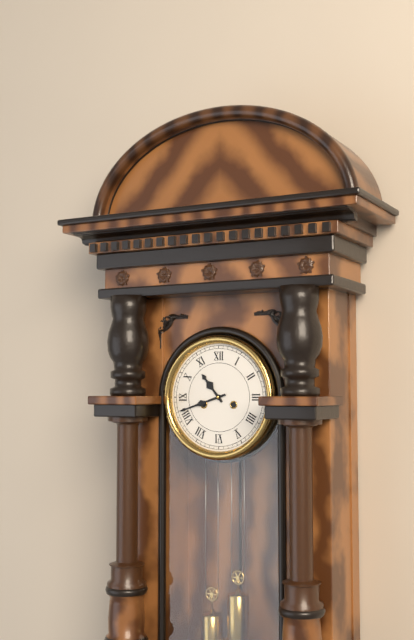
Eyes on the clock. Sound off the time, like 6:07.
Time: 10:42
